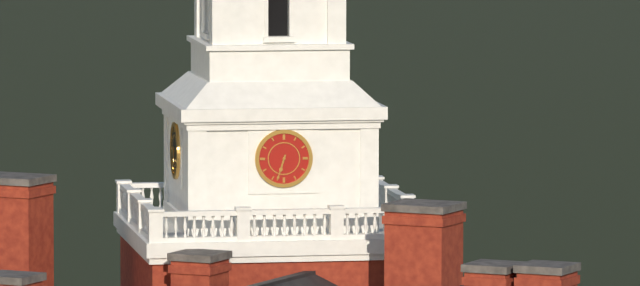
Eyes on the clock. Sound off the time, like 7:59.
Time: 6:33
